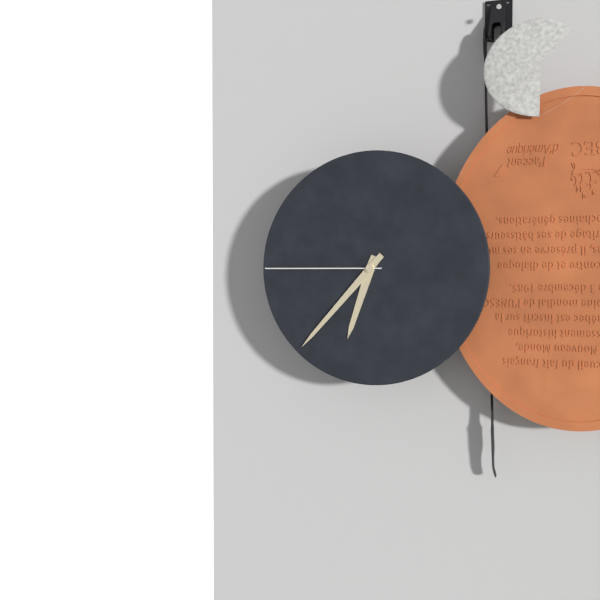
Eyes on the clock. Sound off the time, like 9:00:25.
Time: 6:37:45
